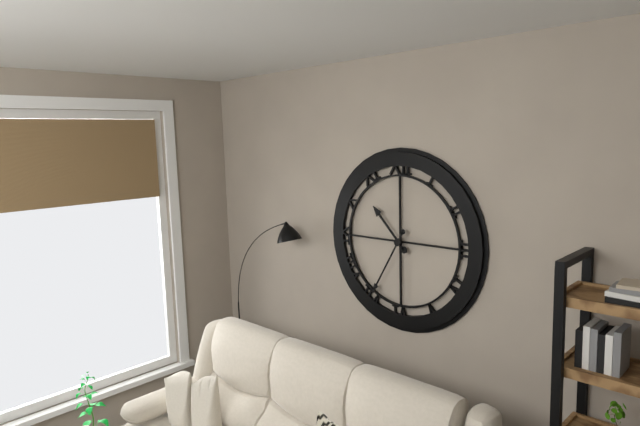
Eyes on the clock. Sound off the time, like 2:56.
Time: 10:35
